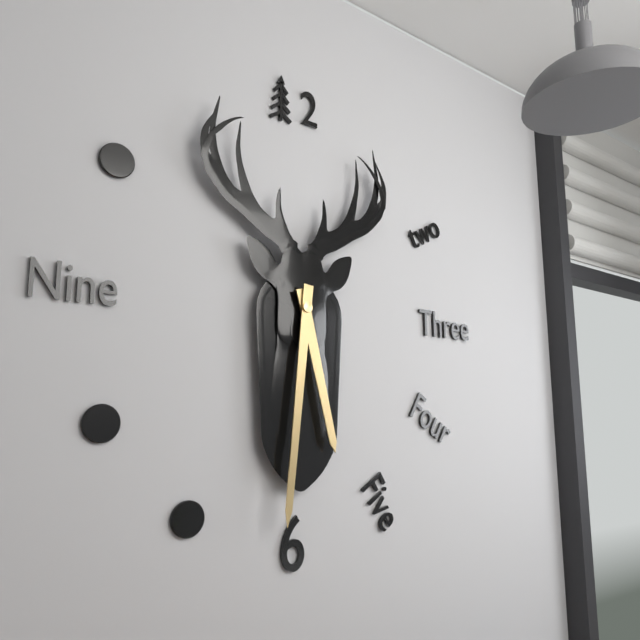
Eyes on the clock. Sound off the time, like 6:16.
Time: 5:31
